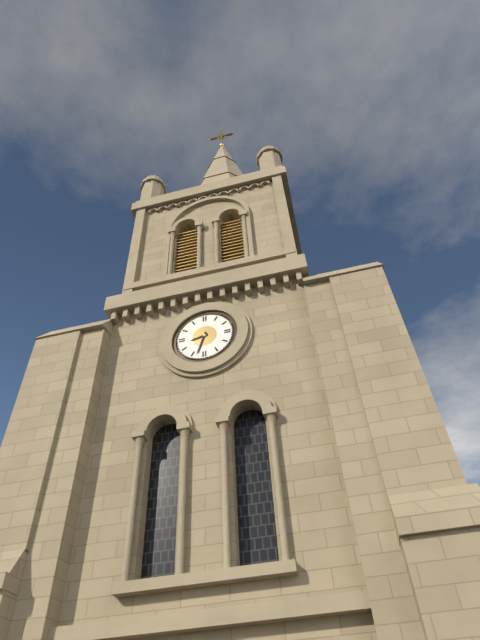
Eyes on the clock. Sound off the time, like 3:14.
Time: 8:33
